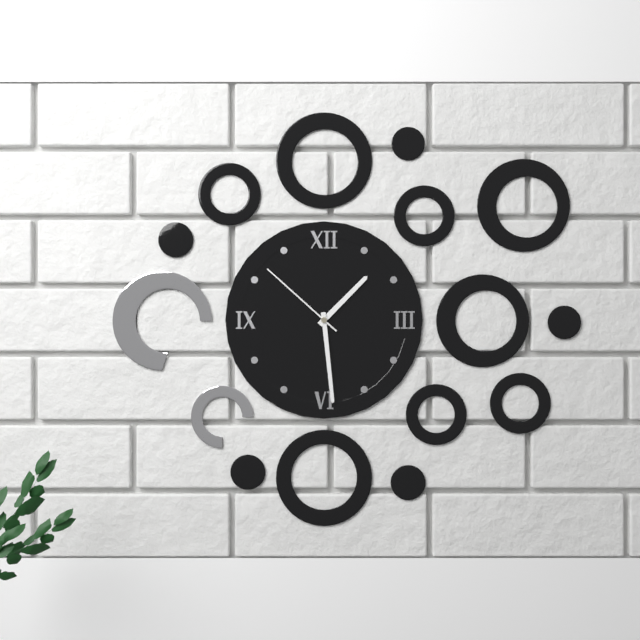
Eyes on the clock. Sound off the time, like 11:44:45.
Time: 1:29:52
